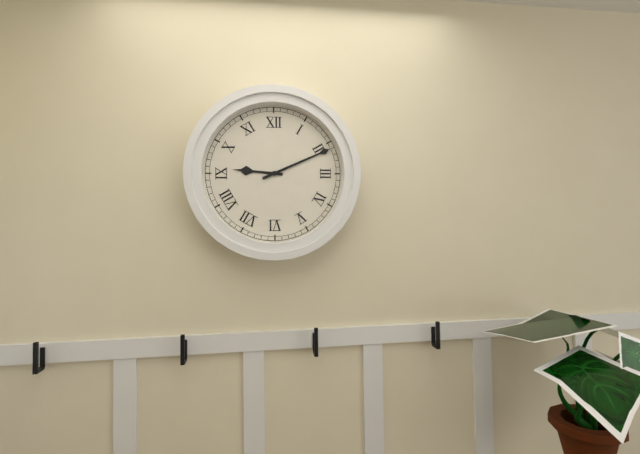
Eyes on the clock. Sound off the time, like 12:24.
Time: 9:11
